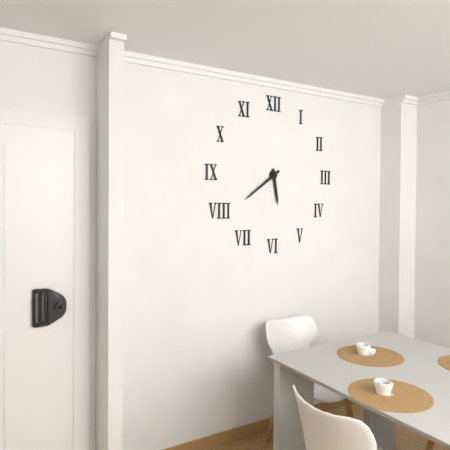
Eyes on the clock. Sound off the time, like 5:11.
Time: 5:39
